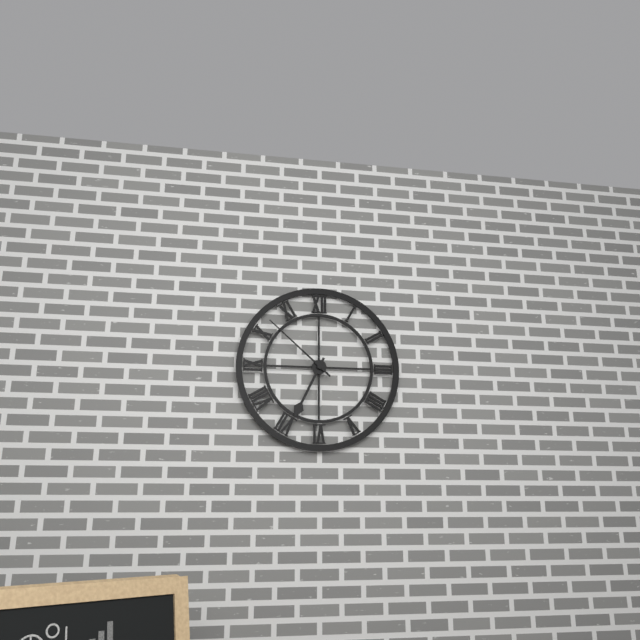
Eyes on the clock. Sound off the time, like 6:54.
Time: 6:52
